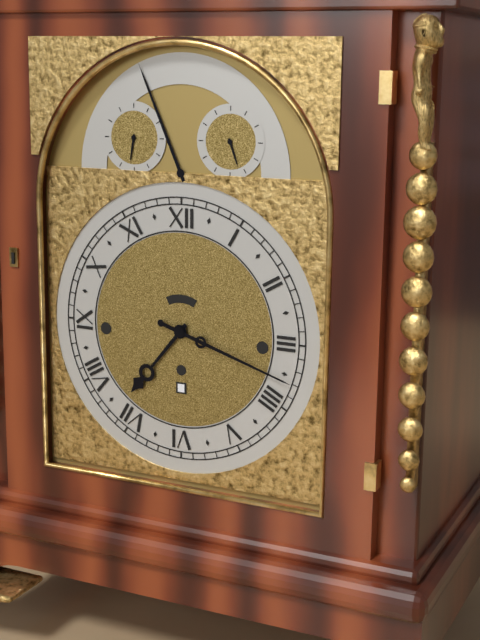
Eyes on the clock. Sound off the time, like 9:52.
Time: 7:18
